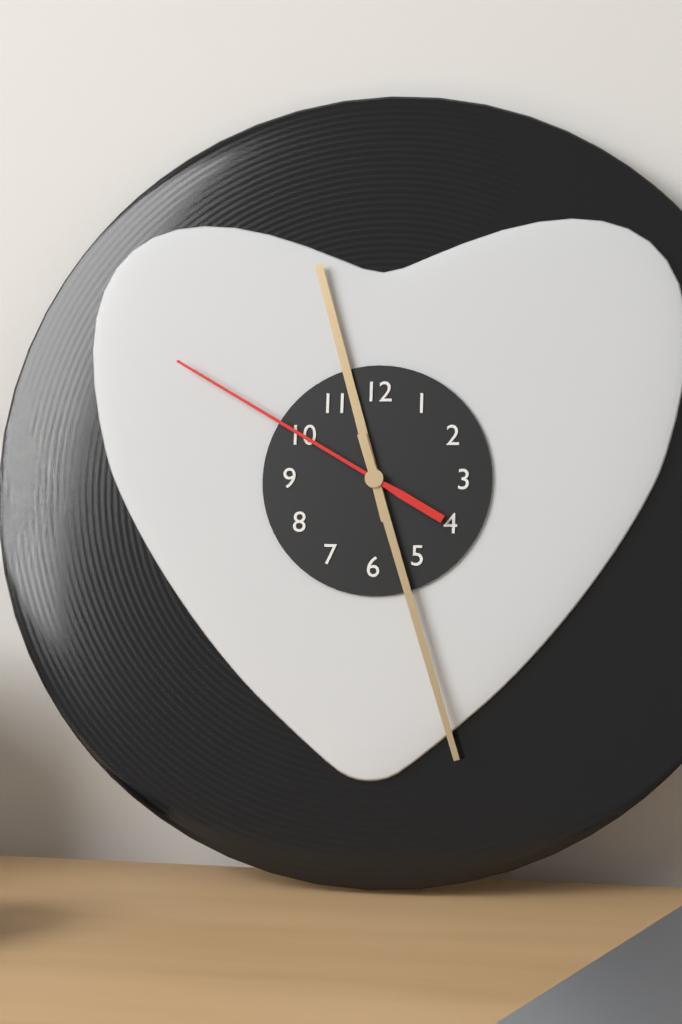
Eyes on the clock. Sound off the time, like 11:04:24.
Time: 11:27:50
